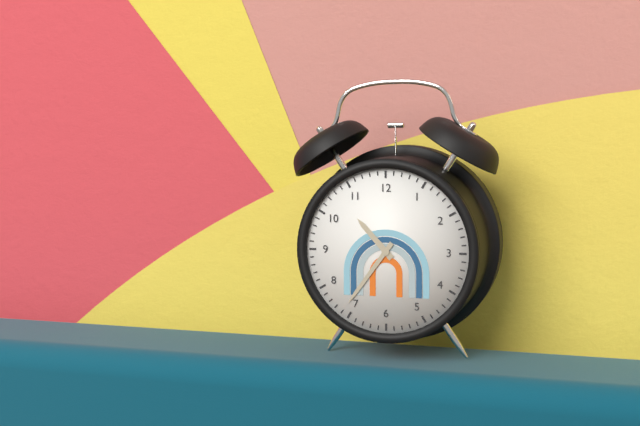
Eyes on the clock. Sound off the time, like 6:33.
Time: 10:36
